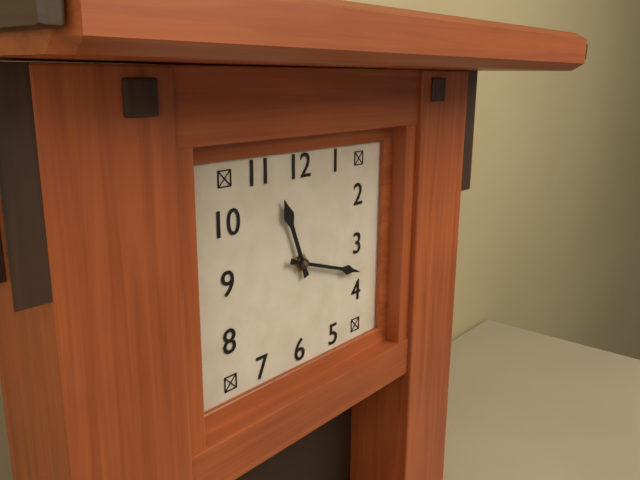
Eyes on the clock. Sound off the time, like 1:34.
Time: 11:18
